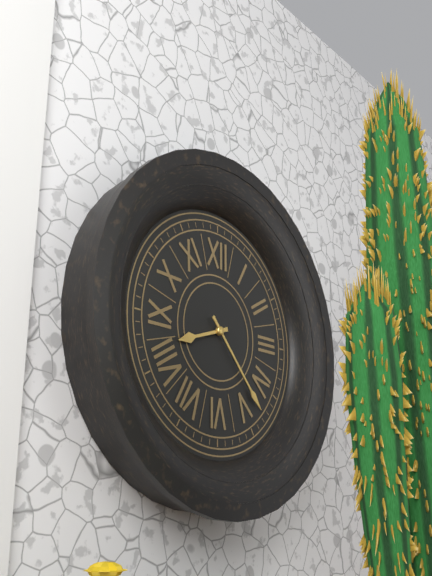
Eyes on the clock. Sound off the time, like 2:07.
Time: 8:23
